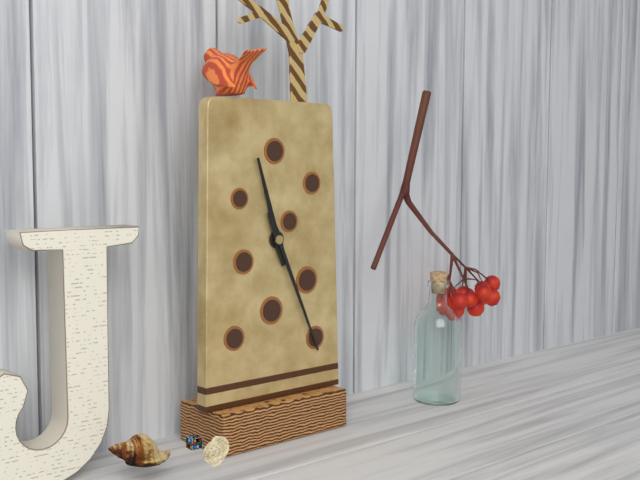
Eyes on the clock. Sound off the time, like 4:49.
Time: 11:26
